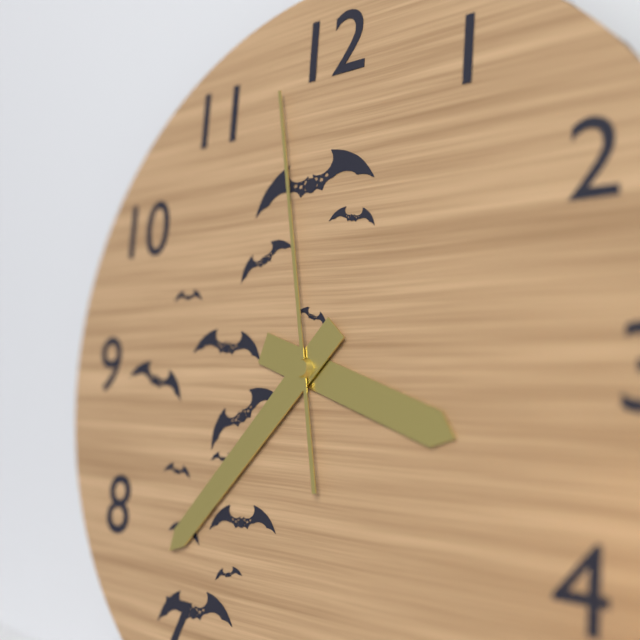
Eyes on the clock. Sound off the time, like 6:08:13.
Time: 3:37:58
